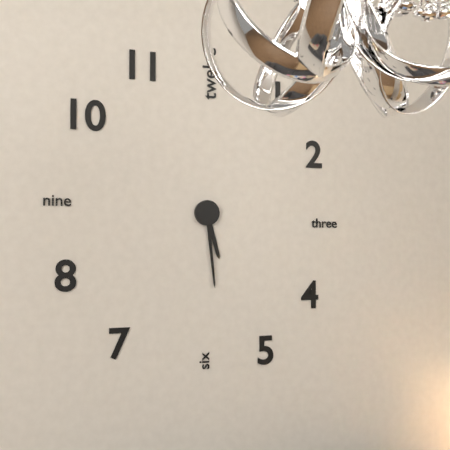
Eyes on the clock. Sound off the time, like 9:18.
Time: 5:29
